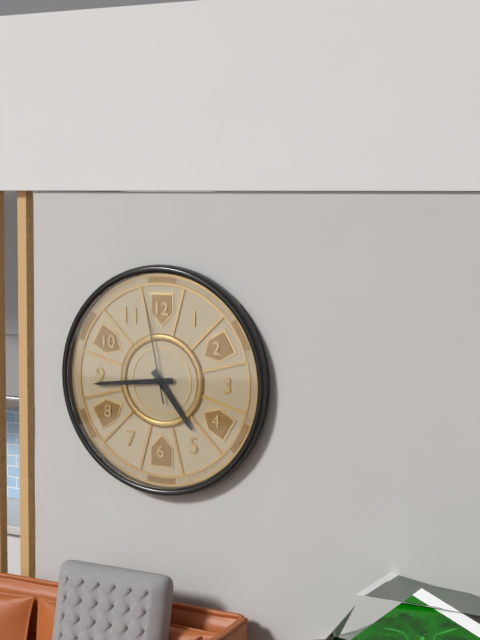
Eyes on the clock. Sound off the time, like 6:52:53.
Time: 4:44:58
